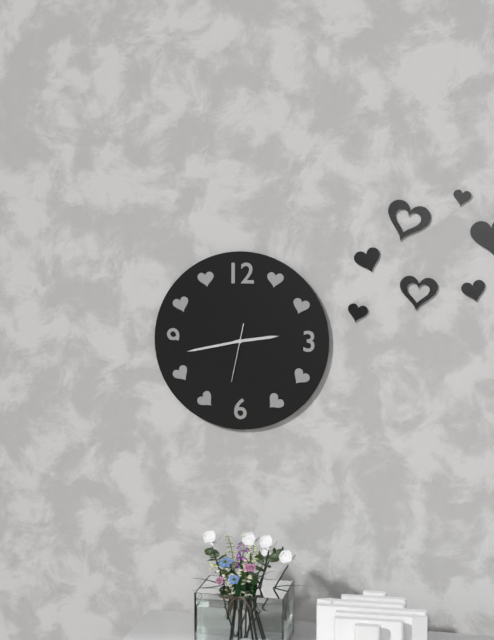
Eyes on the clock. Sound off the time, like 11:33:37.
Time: 2:43:32
